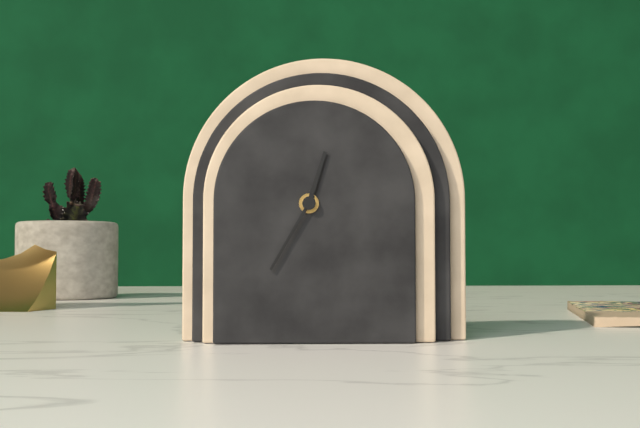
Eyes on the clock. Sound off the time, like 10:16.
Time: 12:35
